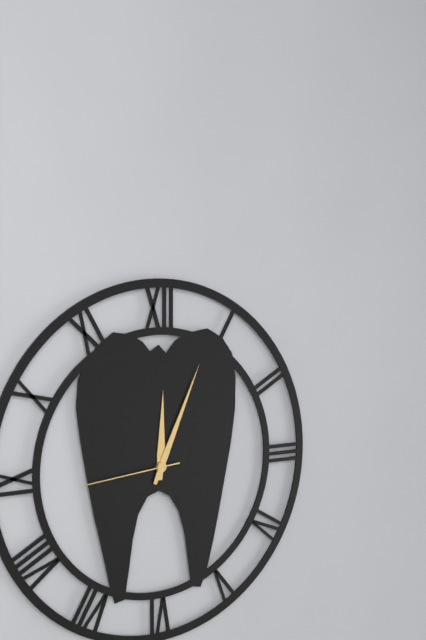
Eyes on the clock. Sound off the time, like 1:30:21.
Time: 12:04:44
